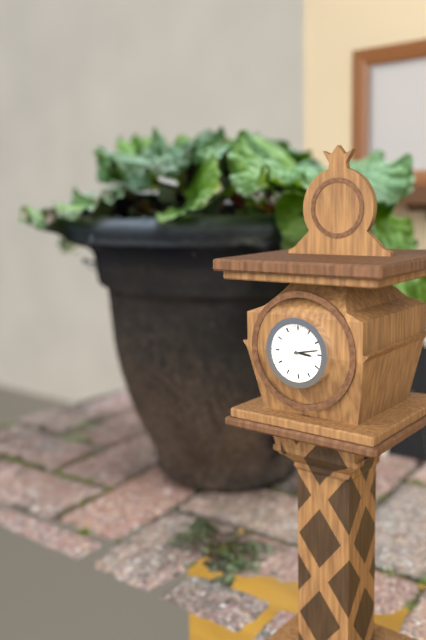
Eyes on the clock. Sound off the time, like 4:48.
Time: 3:13
